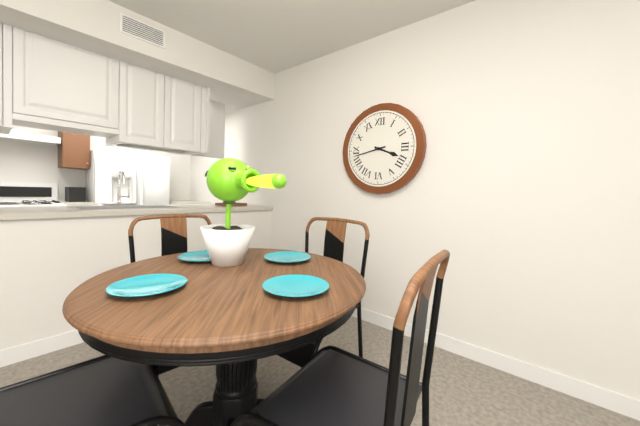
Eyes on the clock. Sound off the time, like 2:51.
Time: 3:43
